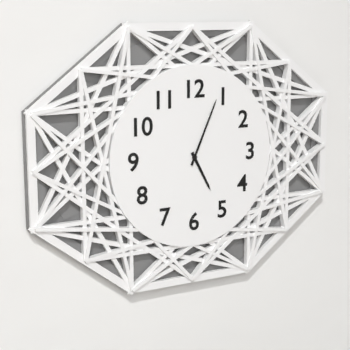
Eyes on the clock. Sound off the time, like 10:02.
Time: 5:04
